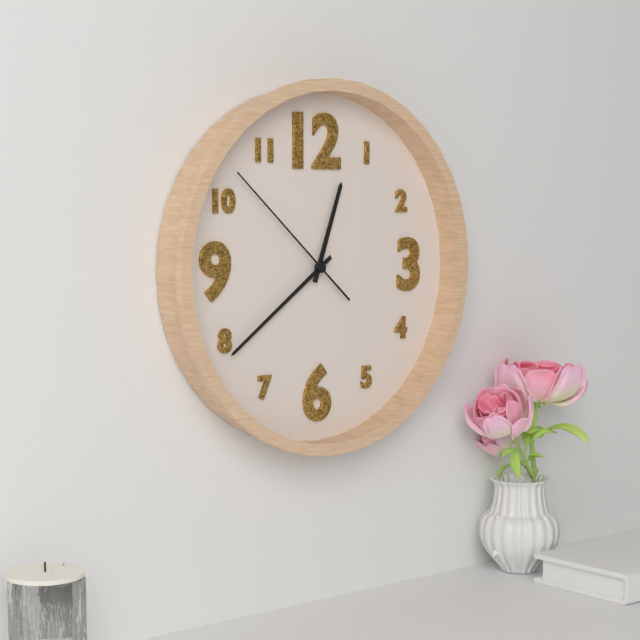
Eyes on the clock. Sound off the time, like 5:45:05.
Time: 12:39:52
